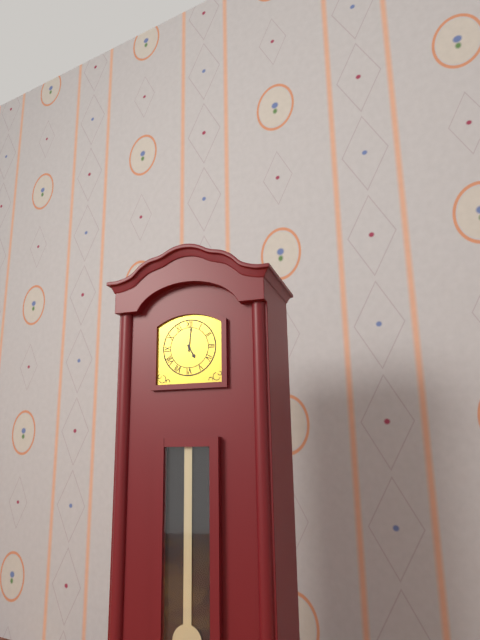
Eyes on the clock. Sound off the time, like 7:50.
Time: 5:01
